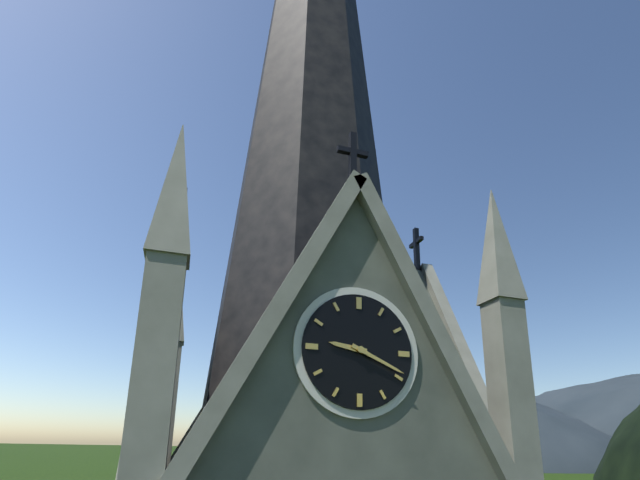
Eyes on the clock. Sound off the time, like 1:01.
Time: 9:19
